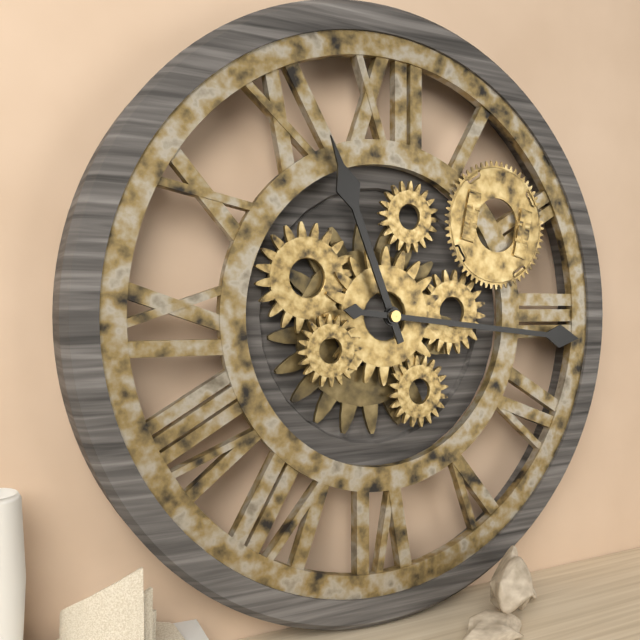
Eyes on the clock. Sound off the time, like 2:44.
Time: 11:16
